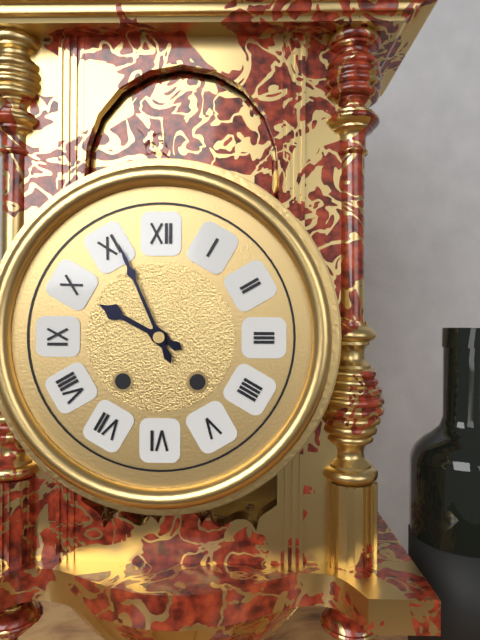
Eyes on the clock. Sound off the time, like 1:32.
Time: 9:56
